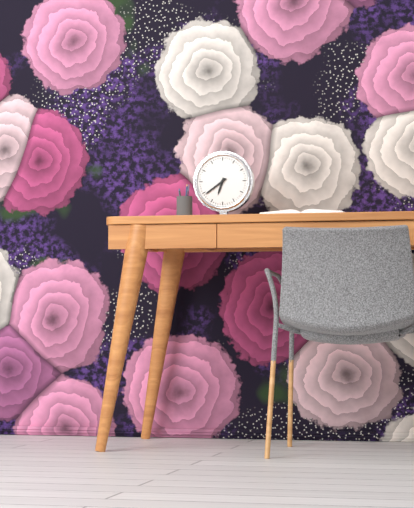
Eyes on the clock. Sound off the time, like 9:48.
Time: 6:39
